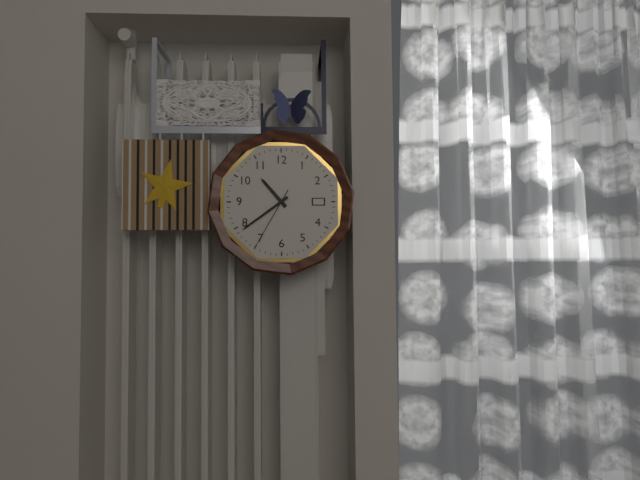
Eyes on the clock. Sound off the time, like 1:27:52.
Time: 10:39:35
